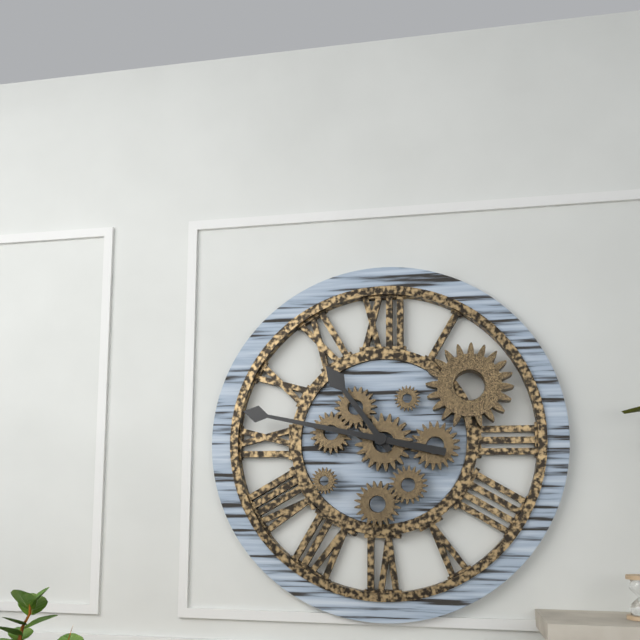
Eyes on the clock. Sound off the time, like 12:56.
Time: 10:47
